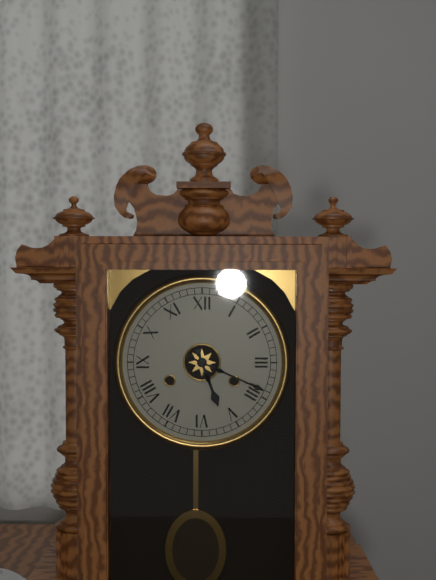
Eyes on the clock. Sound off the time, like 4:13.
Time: 5:19
